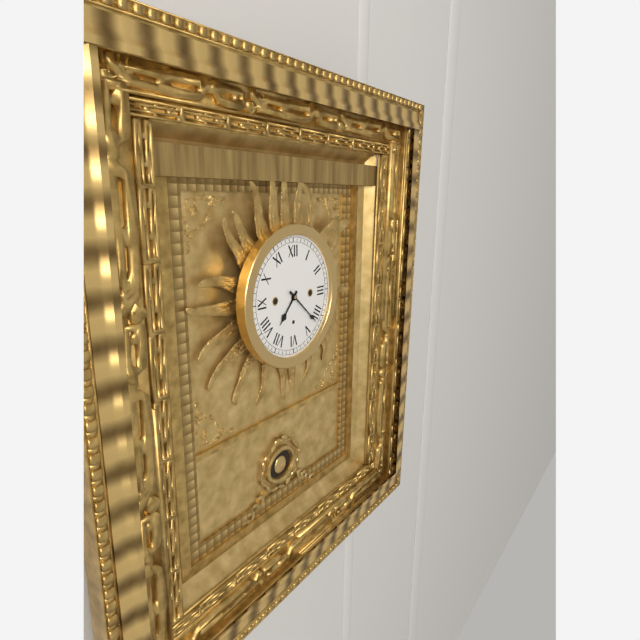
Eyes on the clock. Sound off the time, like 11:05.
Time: 7:22
